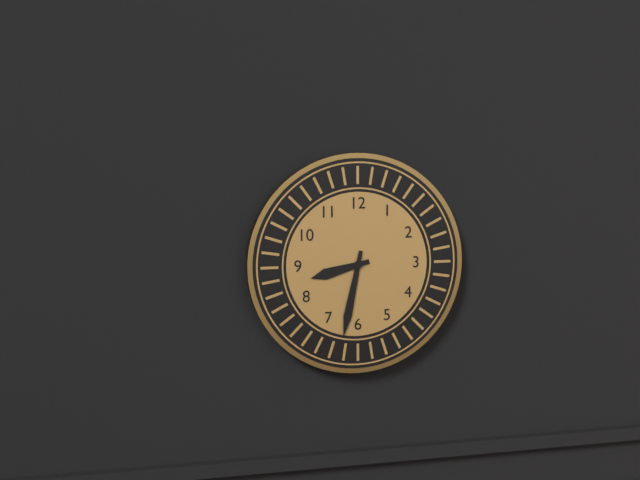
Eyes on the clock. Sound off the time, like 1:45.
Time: 8:32
